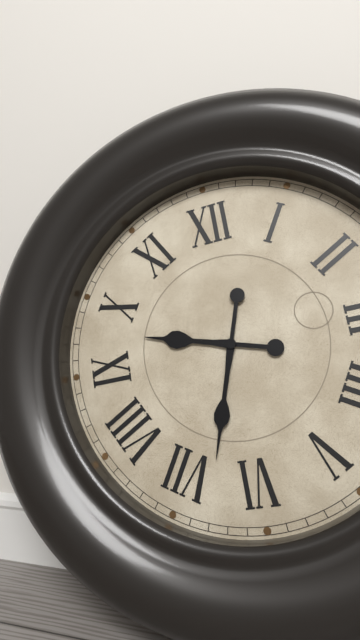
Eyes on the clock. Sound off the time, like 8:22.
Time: 9:33
